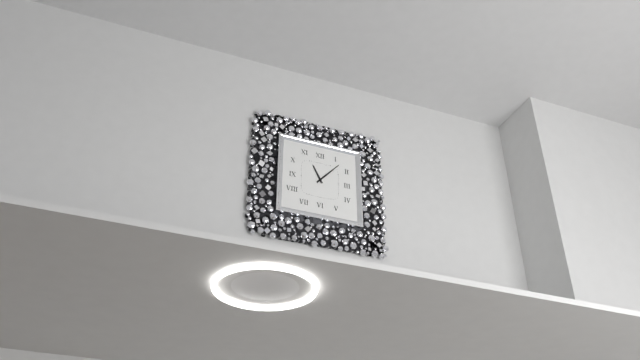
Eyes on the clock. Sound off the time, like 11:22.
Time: 11:07
